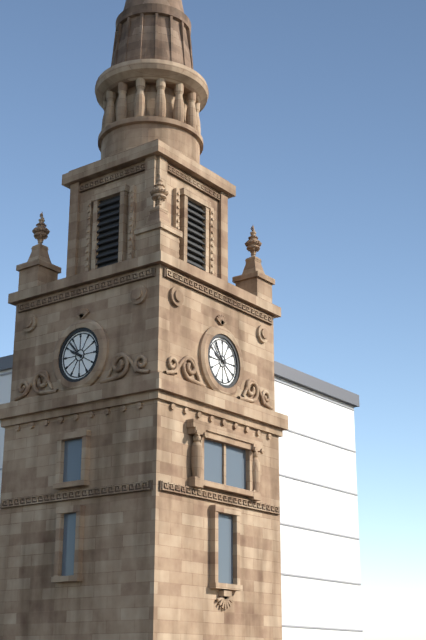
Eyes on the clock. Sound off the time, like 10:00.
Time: 9:53
